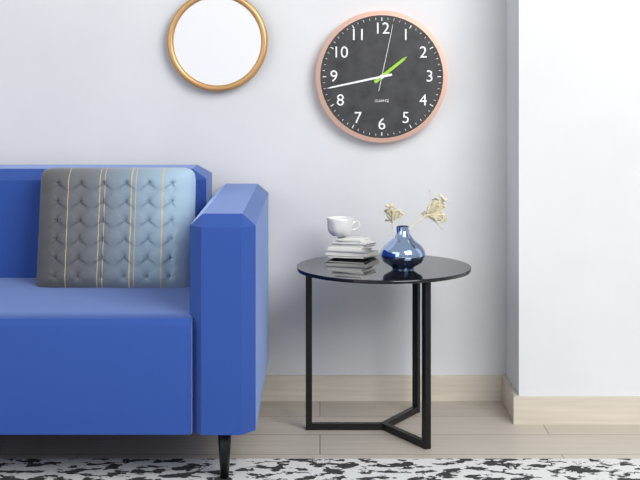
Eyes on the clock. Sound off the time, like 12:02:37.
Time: 1:43:02
